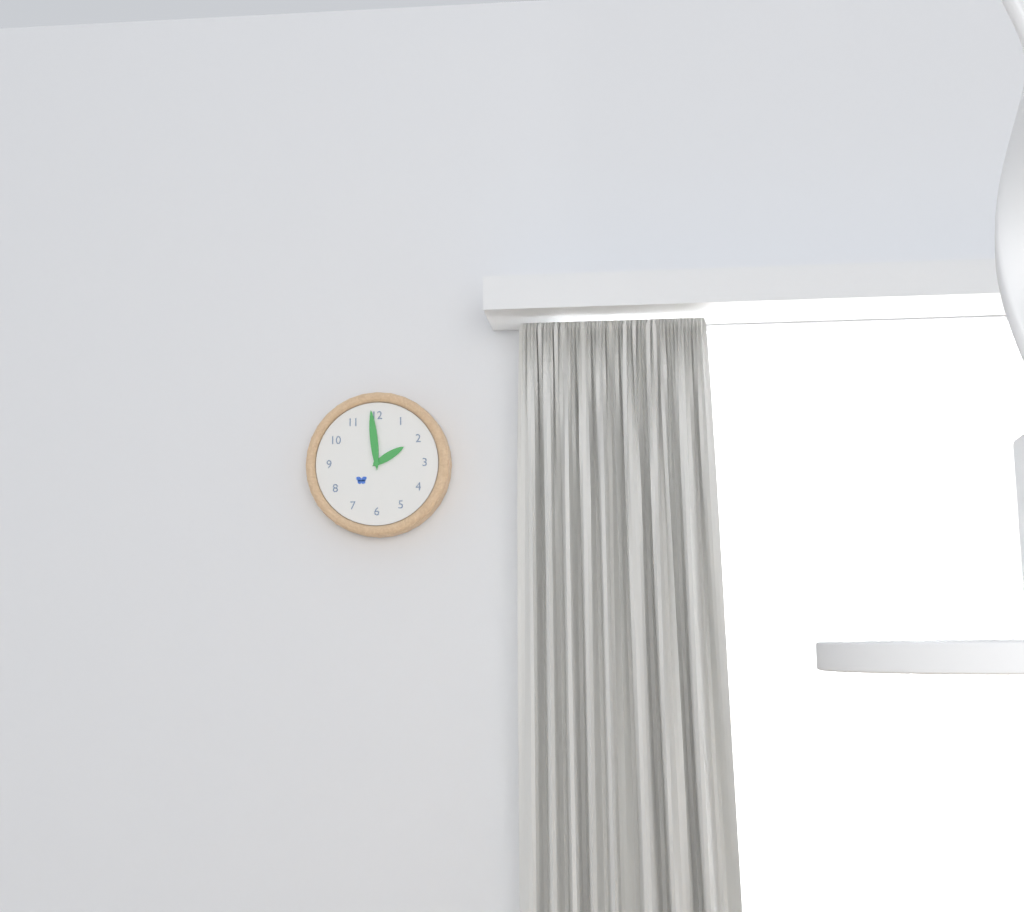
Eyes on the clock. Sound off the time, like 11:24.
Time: 1:59
